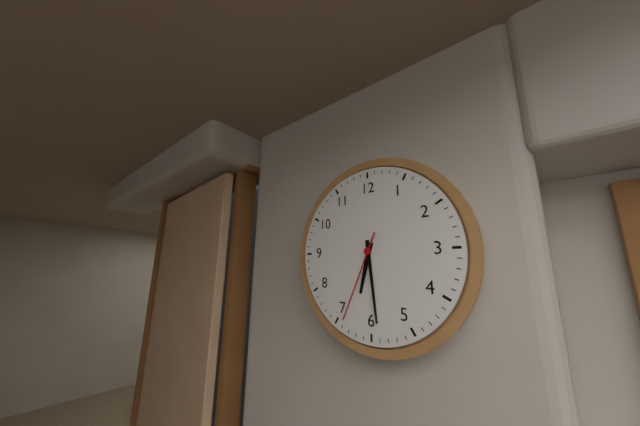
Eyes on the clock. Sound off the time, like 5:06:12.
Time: 6:29:34
